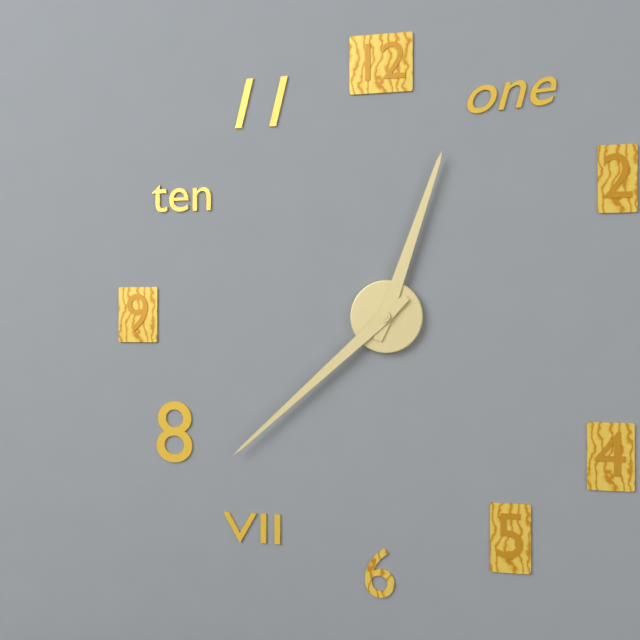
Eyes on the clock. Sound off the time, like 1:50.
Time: 12:38
